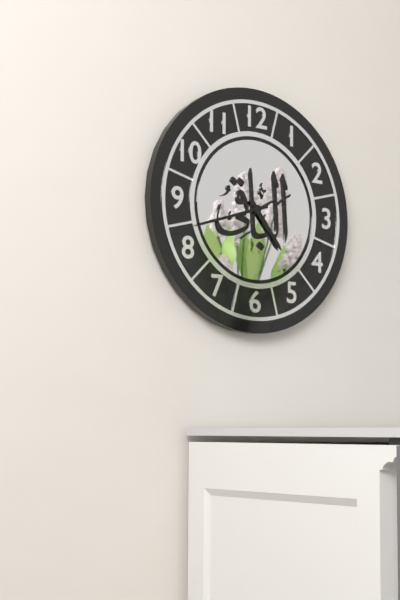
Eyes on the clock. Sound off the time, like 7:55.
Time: 4:42
